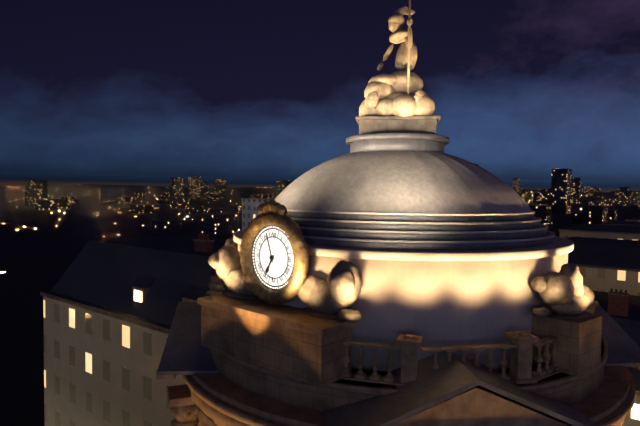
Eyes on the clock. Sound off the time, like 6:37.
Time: 6:57
